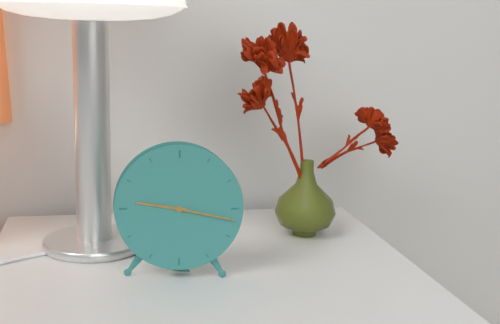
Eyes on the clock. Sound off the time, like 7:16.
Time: 9:17
